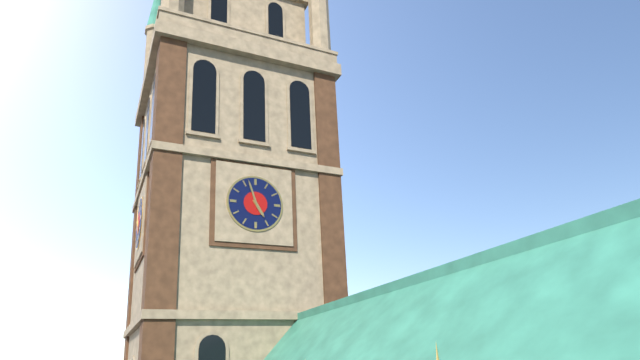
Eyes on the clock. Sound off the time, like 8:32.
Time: 4:57
